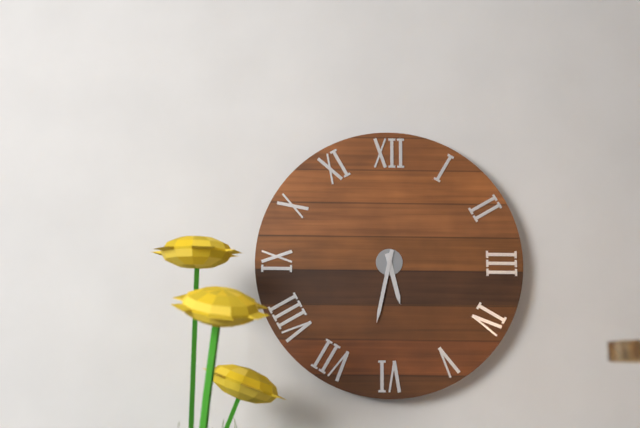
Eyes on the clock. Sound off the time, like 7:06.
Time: 5:32
